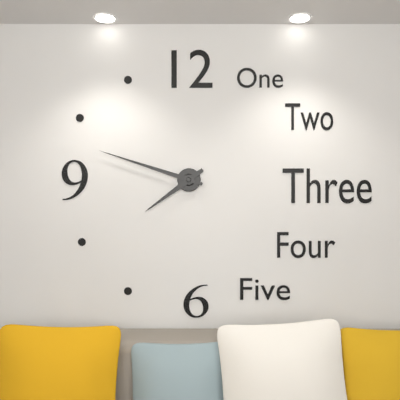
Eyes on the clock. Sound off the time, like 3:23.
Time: 7:48
